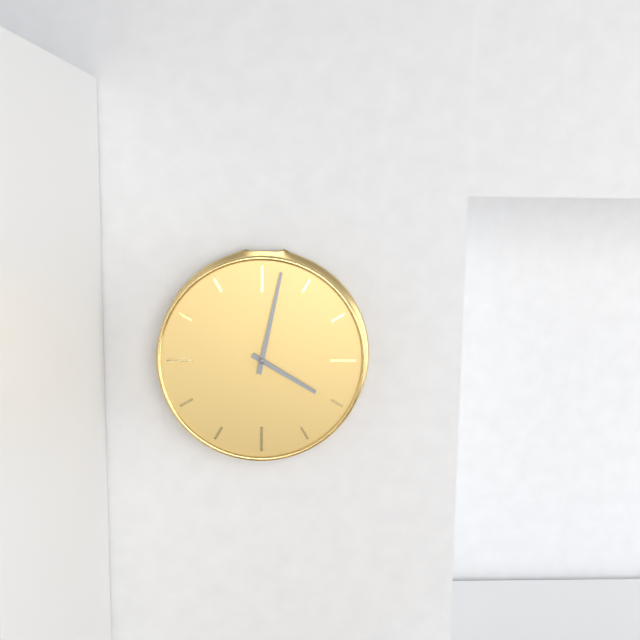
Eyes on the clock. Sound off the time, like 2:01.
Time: 4:02
